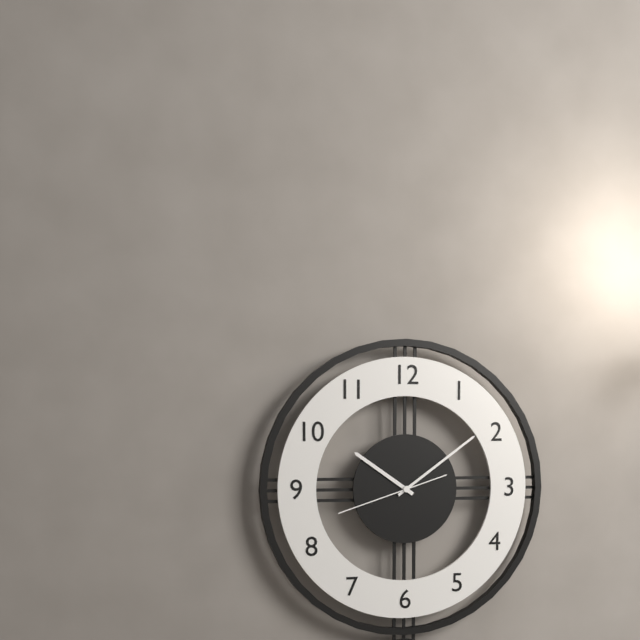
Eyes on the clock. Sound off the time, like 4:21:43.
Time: 10:09:42
